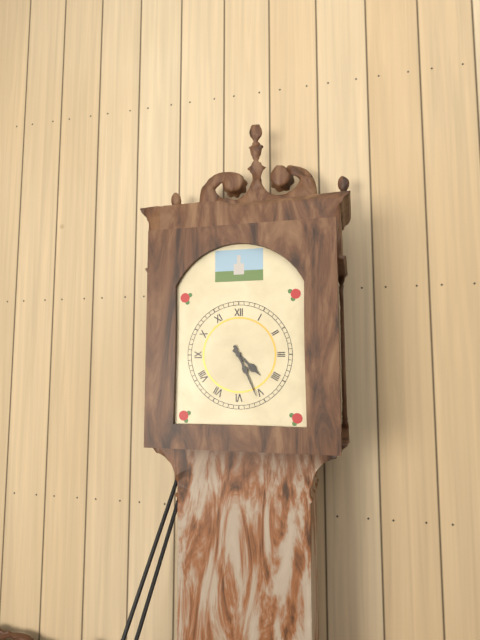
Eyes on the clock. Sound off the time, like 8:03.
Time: 4:26
